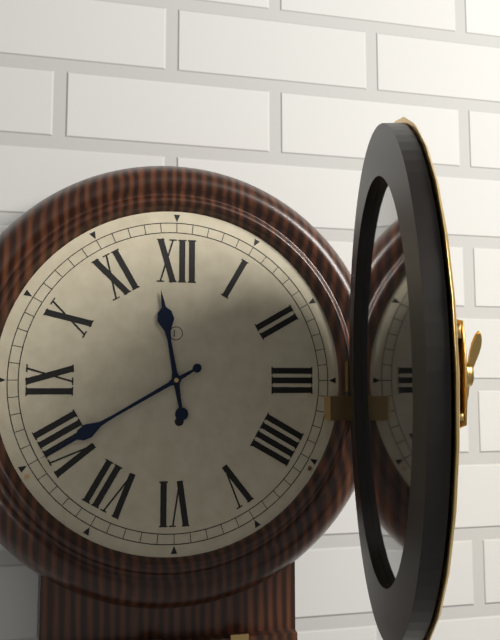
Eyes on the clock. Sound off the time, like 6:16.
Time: 11:40
